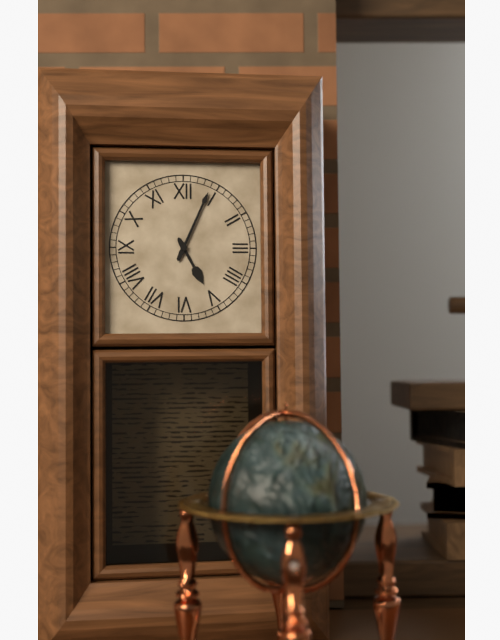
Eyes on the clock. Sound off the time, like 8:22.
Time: 5:04
